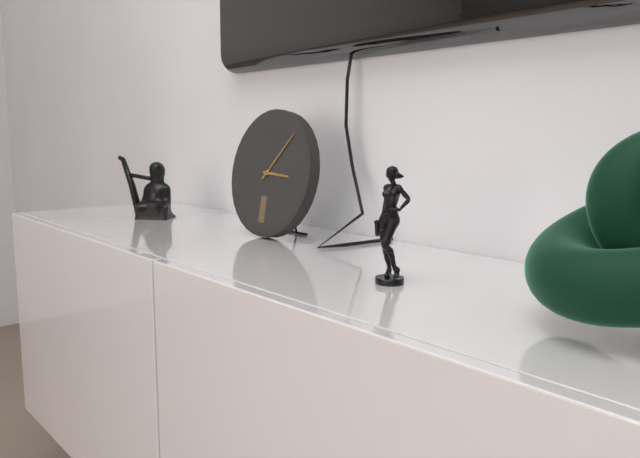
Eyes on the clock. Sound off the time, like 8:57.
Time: 3:07
